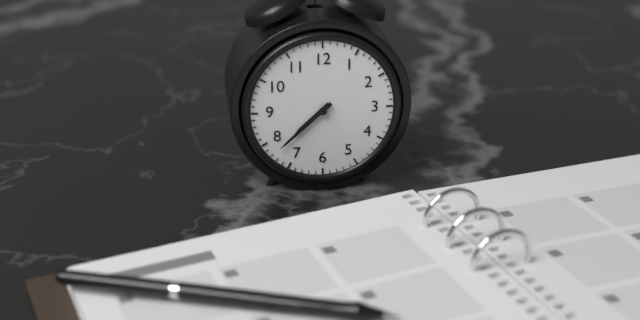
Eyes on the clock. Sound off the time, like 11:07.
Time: 7:38
